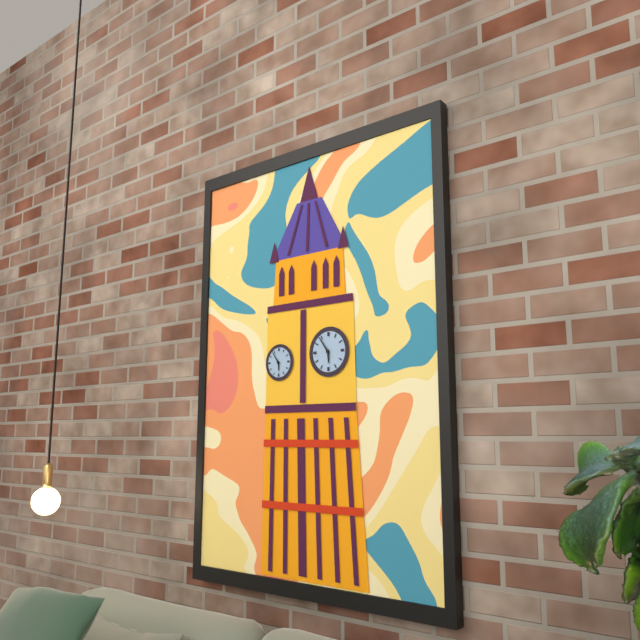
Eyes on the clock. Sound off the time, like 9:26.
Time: 5:54
